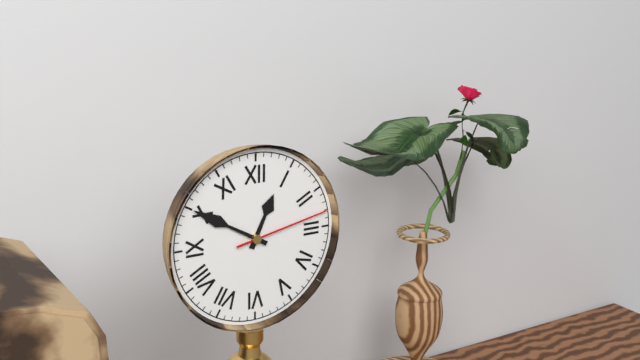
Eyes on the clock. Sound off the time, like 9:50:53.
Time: 12:50:13
